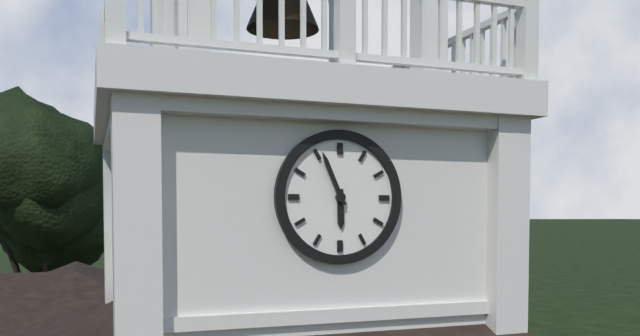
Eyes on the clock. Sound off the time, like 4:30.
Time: 5:56
